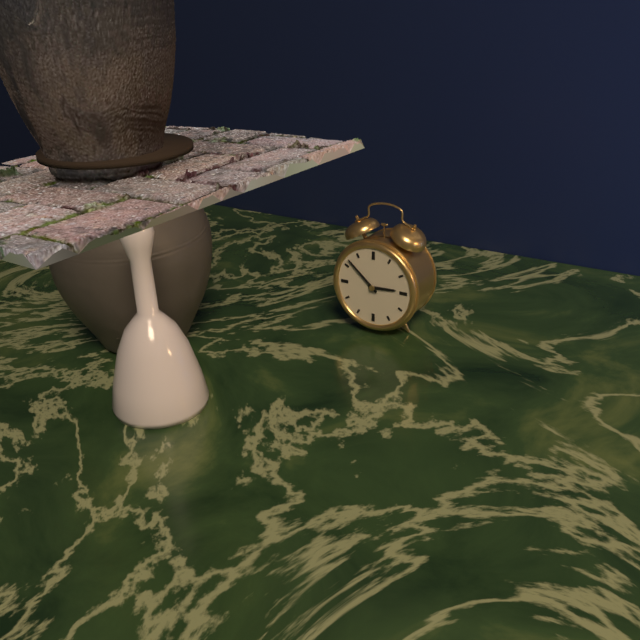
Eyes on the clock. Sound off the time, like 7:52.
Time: 2:52
